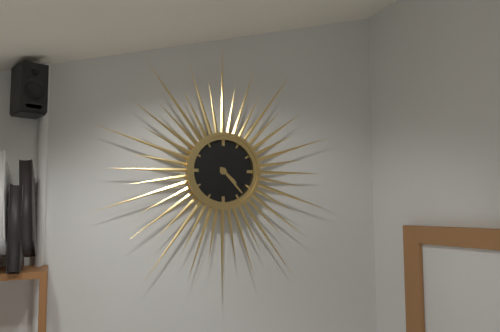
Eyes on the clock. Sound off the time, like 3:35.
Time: 4:23
